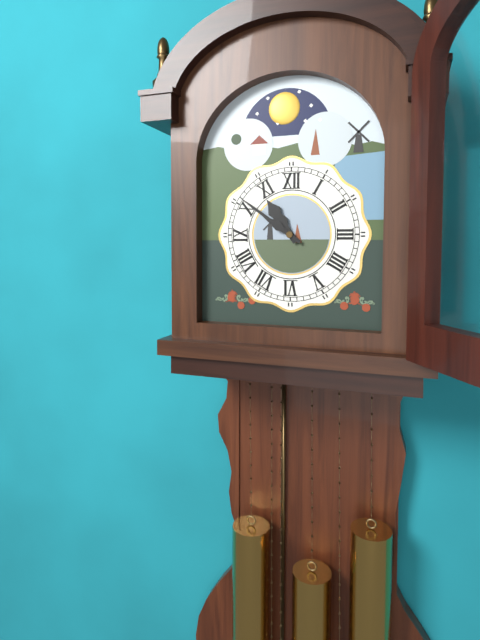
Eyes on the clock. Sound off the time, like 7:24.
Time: 10:51
